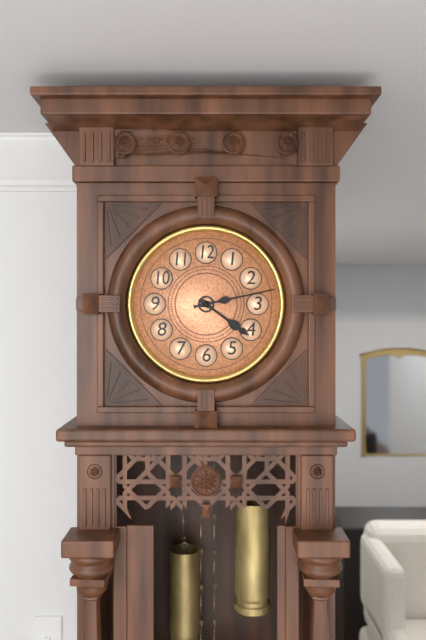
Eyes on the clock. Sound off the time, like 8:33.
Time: 4:13
